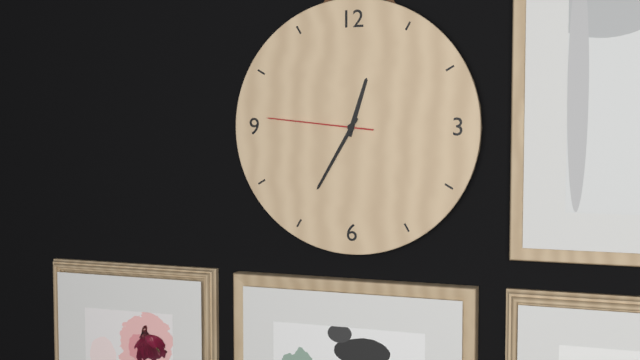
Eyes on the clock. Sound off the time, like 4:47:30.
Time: 12:35:46
